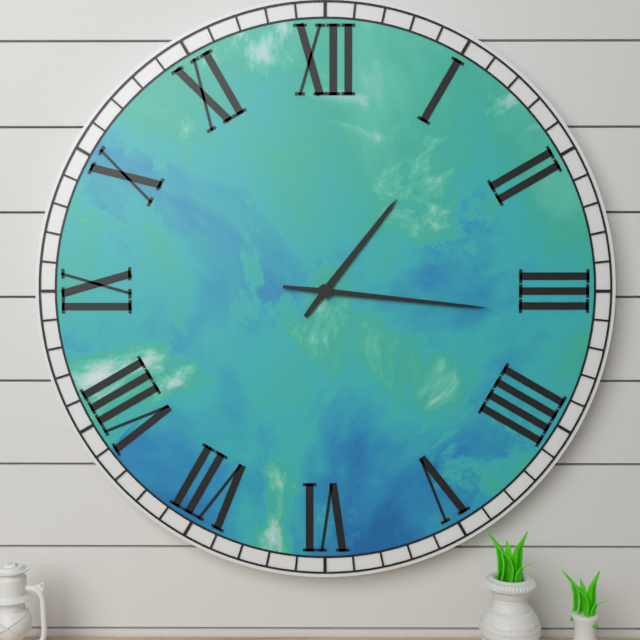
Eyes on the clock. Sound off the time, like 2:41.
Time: 1:16
